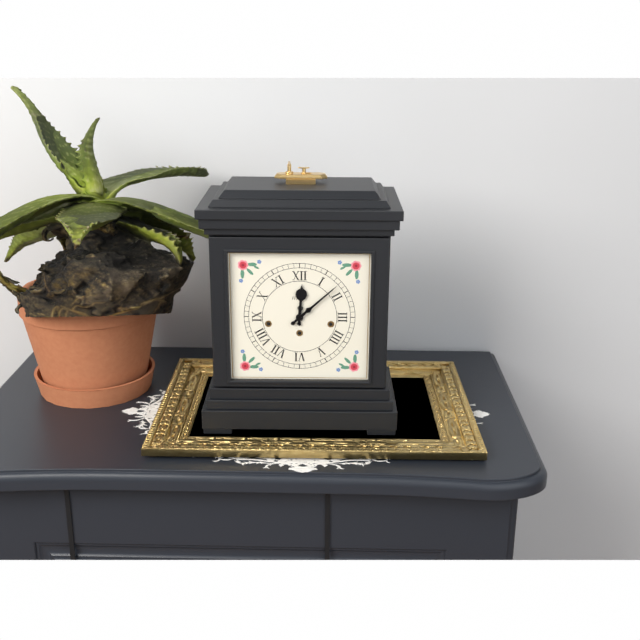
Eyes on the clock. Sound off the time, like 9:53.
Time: 12:08
